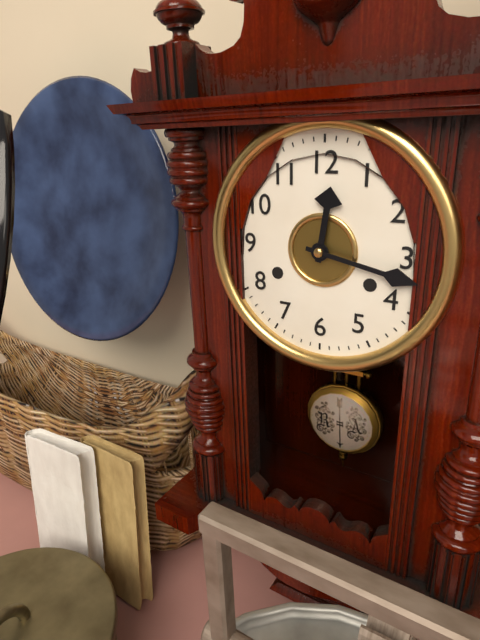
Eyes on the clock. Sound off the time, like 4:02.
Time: 12:17
